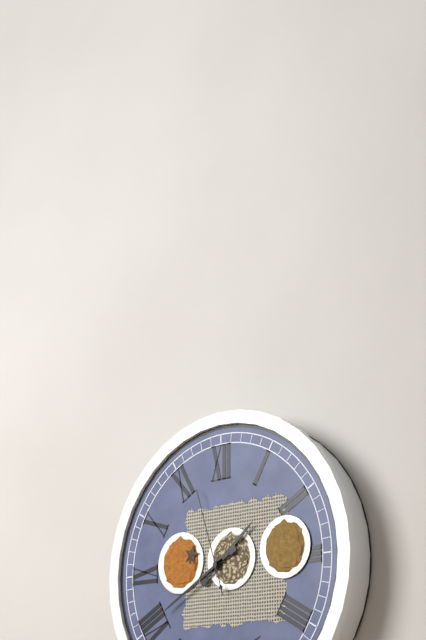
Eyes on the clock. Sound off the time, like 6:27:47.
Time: 1:40:57
